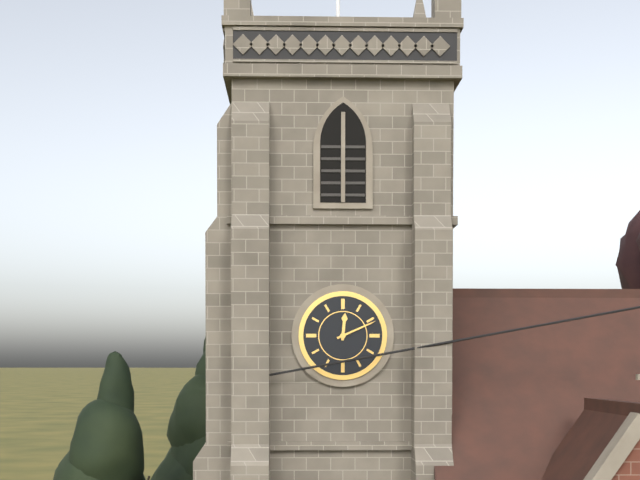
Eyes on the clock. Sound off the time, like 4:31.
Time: 12:11
